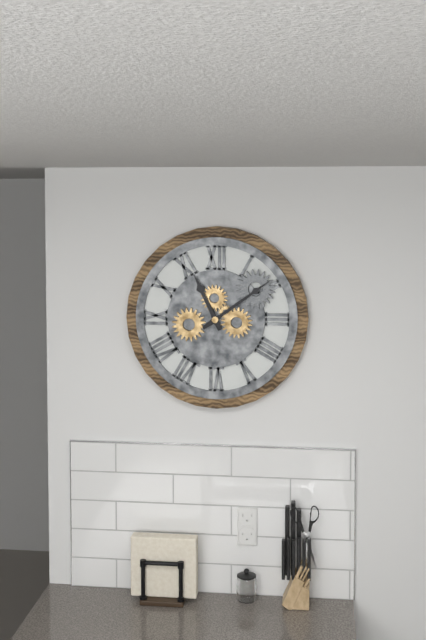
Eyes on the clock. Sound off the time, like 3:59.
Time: 11:09
